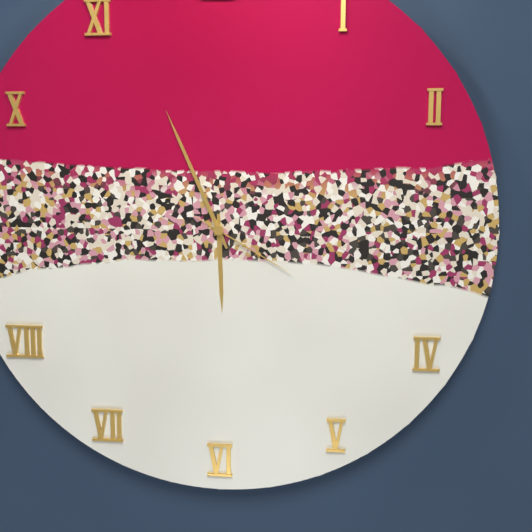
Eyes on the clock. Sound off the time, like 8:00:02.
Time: 5:56:20
